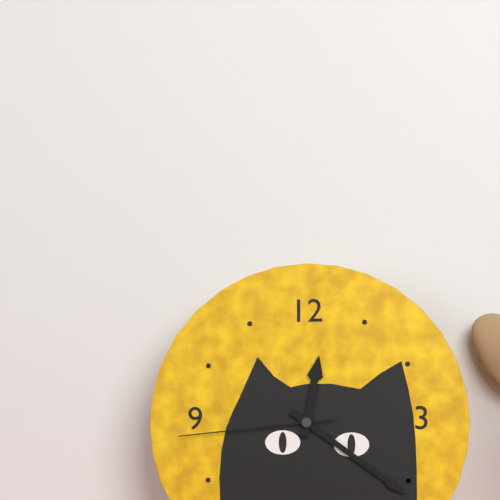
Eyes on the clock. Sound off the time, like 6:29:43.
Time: 12:21:44
